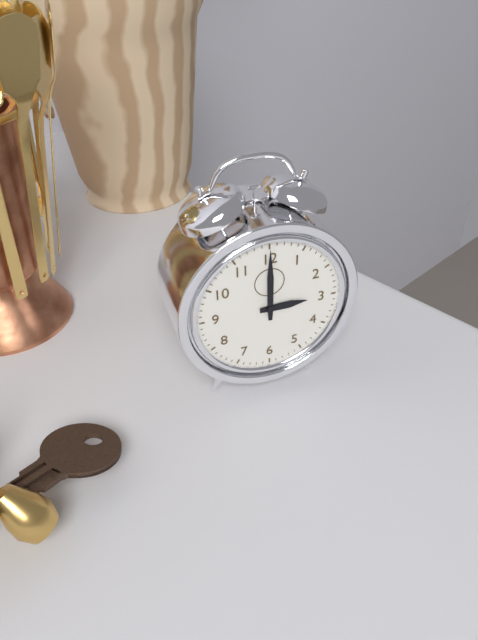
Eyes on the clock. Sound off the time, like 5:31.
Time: 3:00
